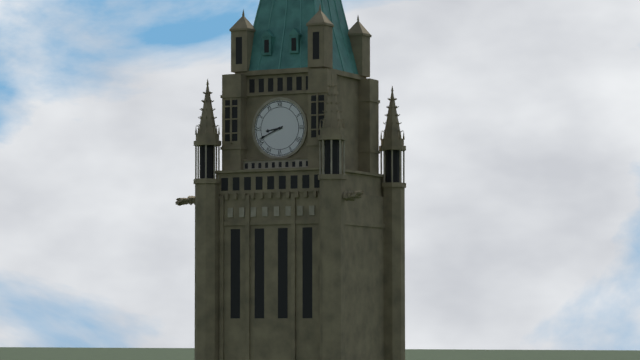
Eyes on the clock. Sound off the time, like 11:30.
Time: 8:41
